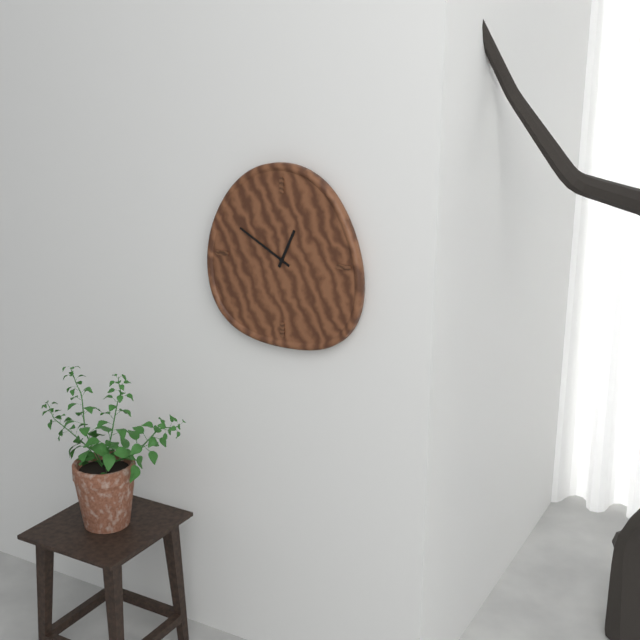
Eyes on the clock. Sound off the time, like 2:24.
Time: 12:50
